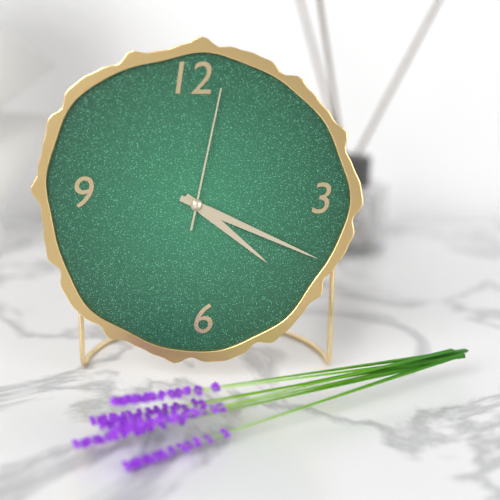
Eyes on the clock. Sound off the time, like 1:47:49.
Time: 4:19:02
